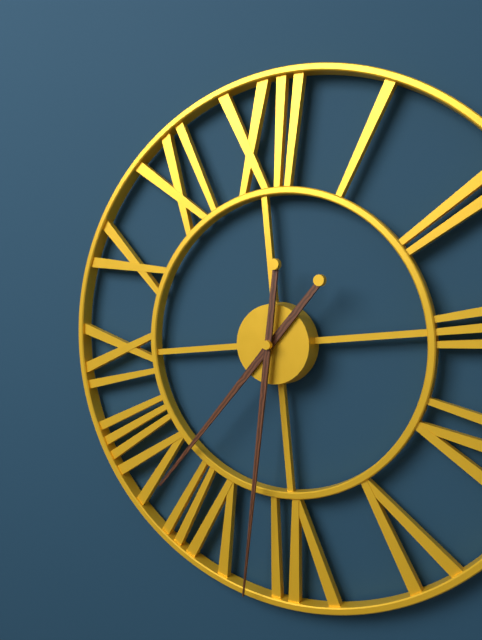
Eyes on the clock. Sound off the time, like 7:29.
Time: 7:32
